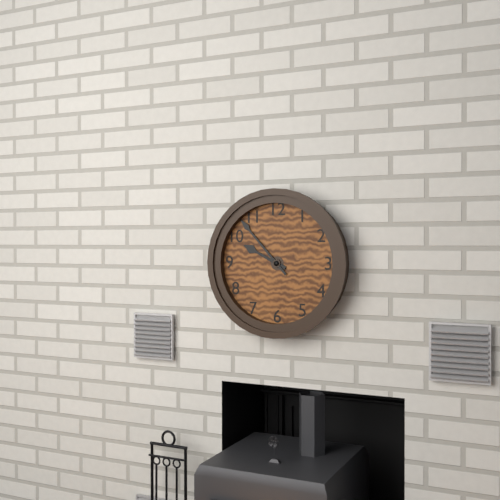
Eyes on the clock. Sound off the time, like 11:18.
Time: 9:53
